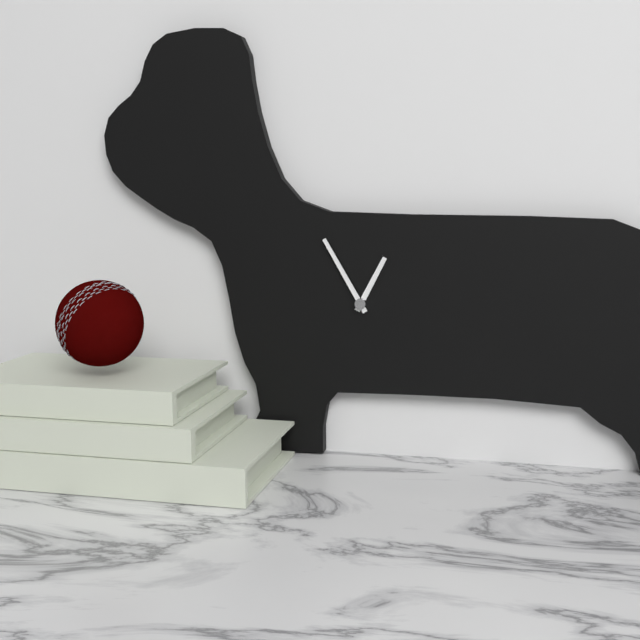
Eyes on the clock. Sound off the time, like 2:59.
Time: 12:55
